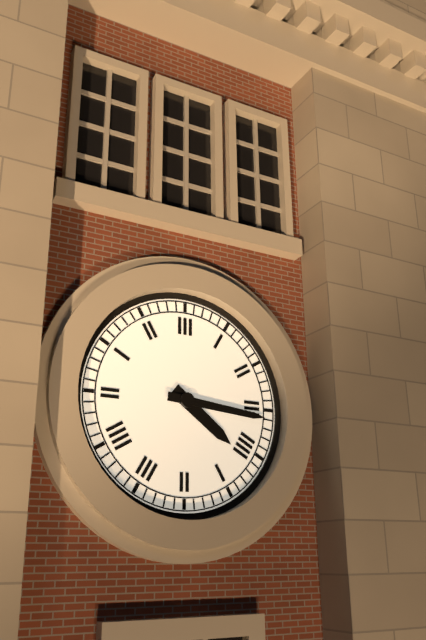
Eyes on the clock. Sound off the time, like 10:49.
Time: 4:16
